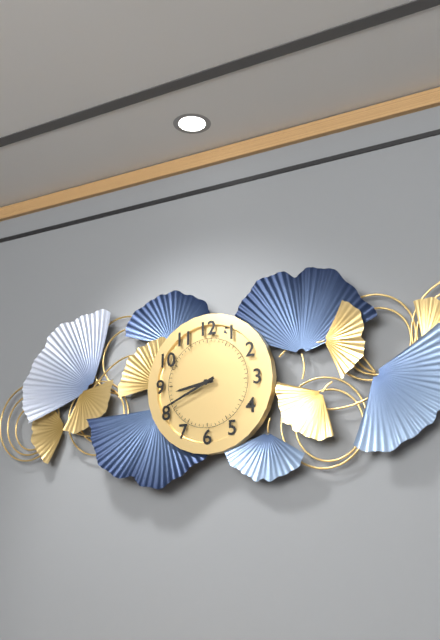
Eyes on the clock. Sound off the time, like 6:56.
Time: 8:41
